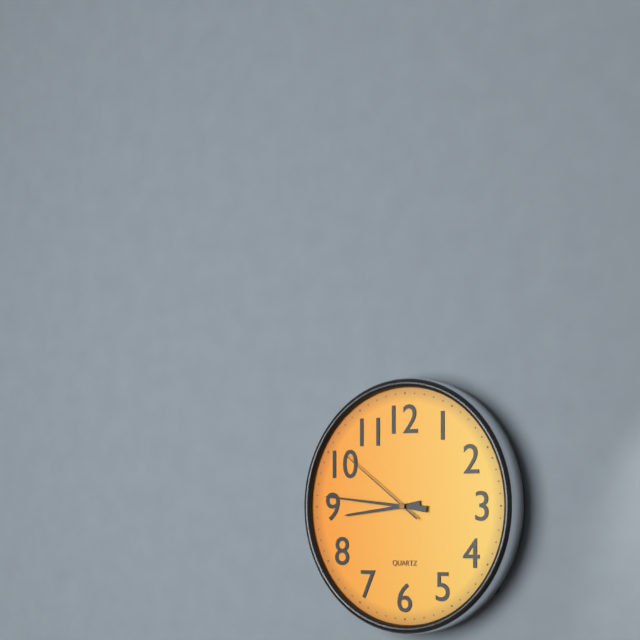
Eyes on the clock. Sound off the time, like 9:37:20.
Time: 8:46:51
